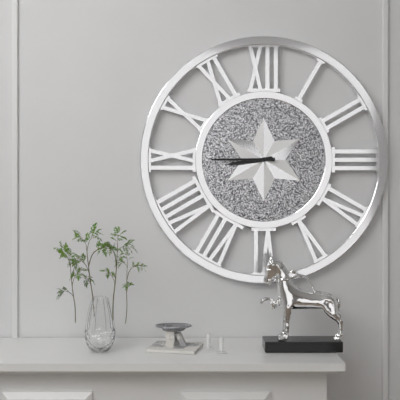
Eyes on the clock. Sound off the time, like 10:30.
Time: 8:45
